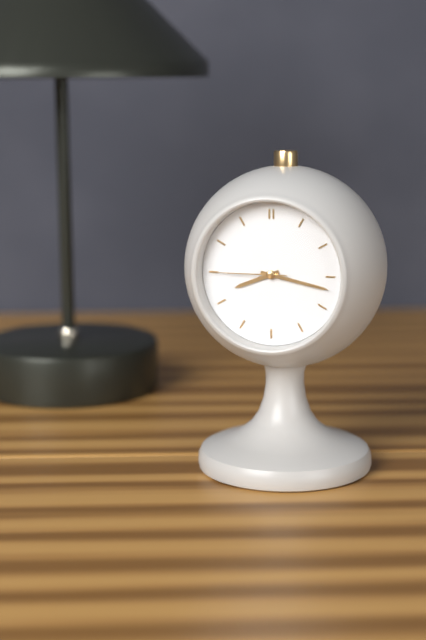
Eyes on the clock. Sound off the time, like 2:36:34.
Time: 8:17:45
